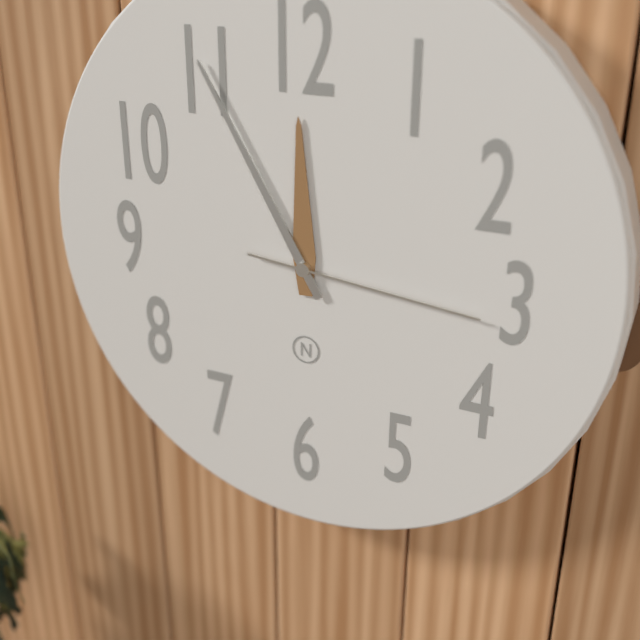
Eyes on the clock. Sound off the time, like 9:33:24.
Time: 11:55:16
